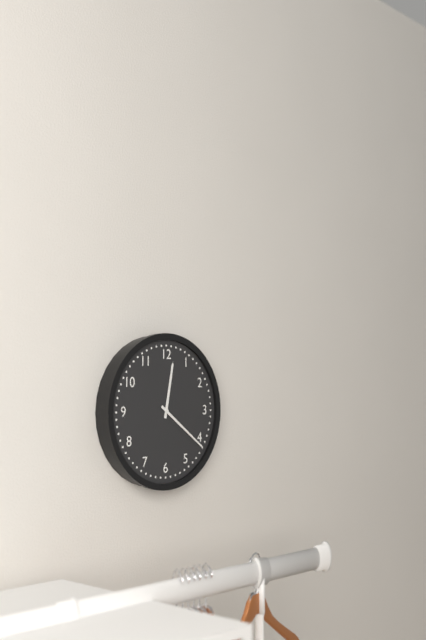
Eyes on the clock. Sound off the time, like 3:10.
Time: 12:21
